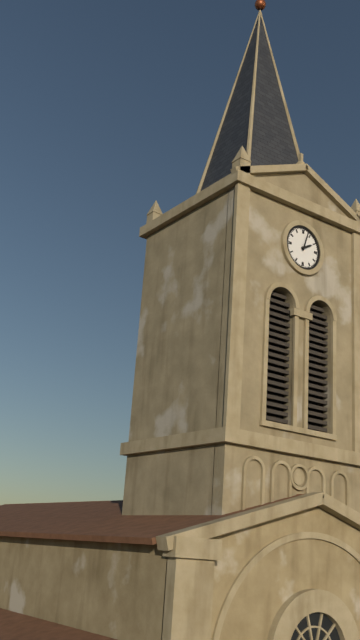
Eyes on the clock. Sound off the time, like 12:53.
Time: 2:03
